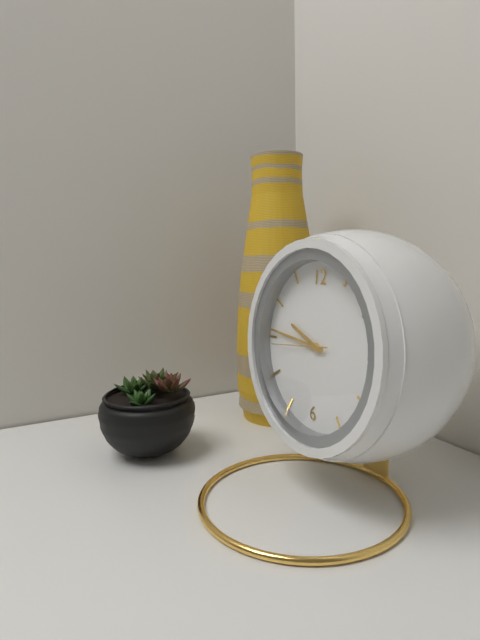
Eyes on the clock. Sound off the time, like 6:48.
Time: 9:46
